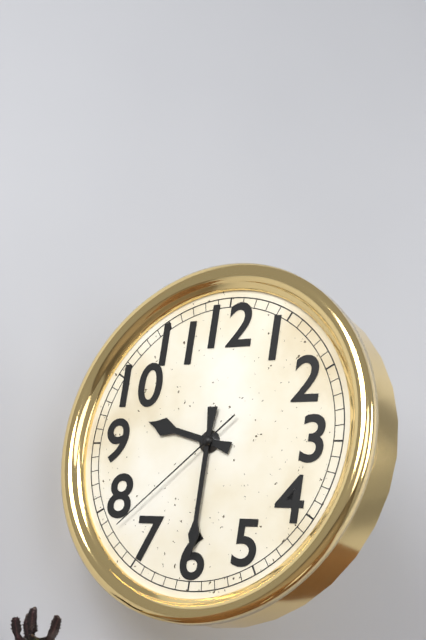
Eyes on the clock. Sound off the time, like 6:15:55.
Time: 9:30:38
